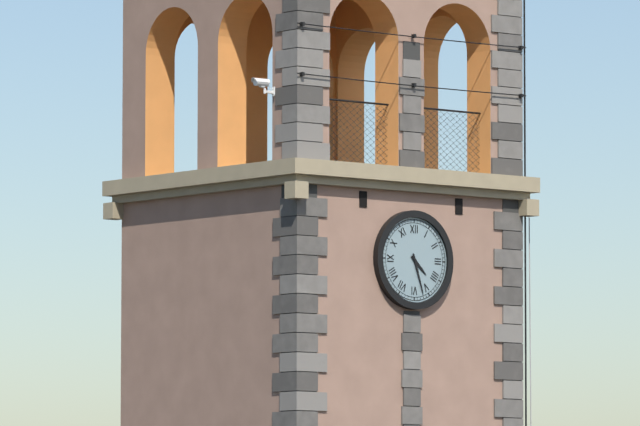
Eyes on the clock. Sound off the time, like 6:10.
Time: 4:27
